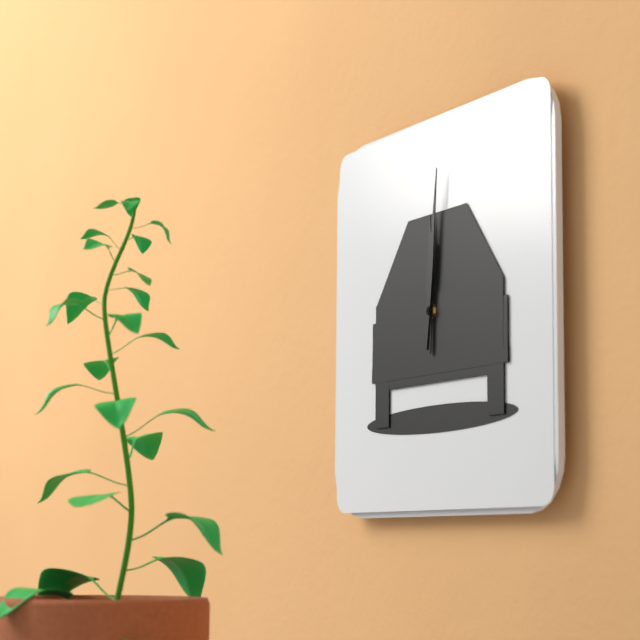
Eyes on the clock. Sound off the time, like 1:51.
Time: 12:01
